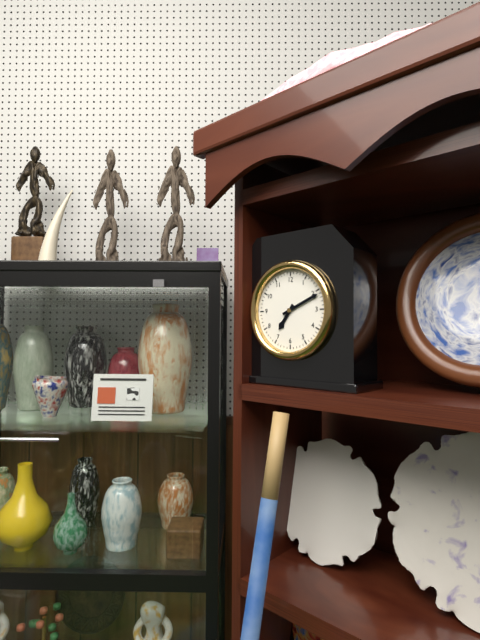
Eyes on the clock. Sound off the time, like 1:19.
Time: 7:11
